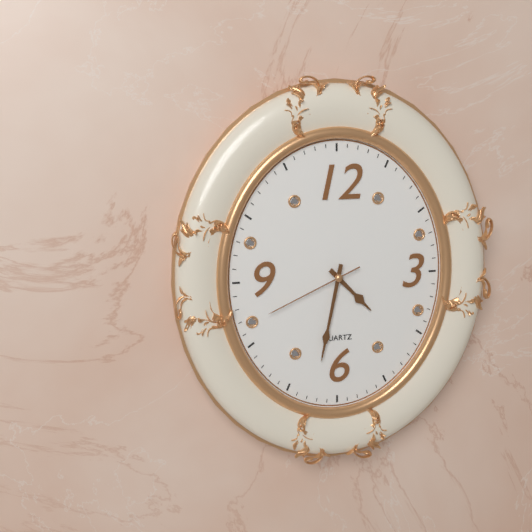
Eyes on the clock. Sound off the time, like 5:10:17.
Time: 4:32:41
